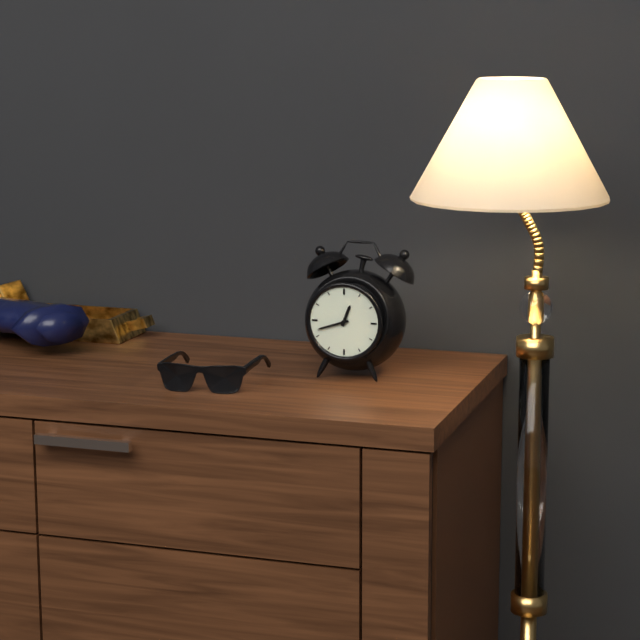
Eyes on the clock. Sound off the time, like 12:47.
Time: 12:42
